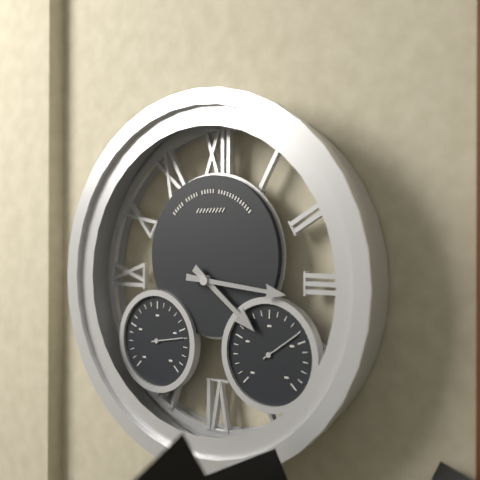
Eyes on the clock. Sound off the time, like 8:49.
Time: 4:16
